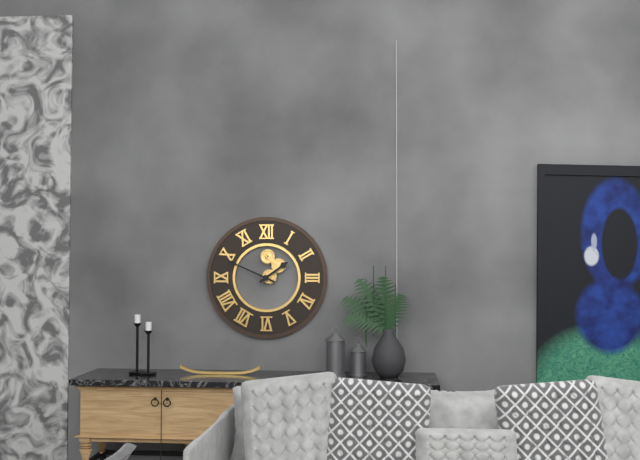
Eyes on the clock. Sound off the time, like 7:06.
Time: 1:49
